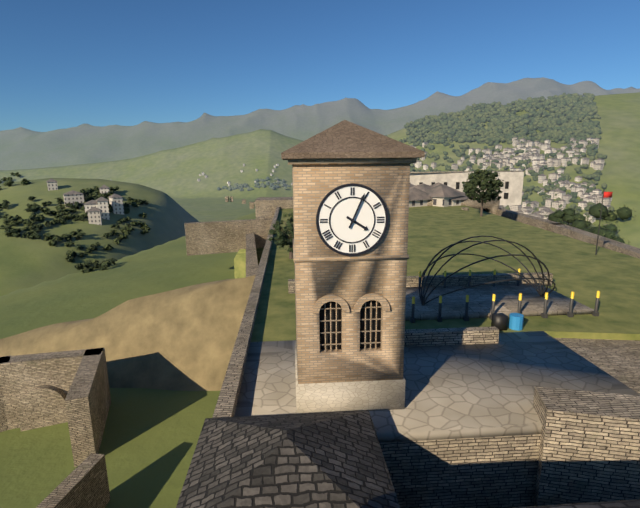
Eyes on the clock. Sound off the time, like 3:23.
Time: 4:04
